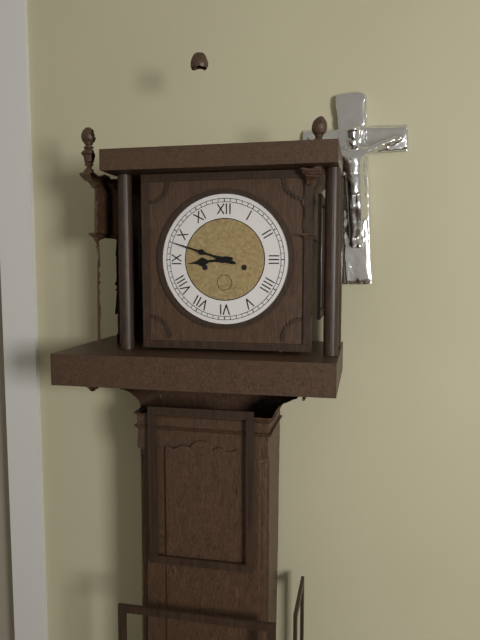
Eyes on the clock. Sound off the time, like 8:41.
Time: 8:48
